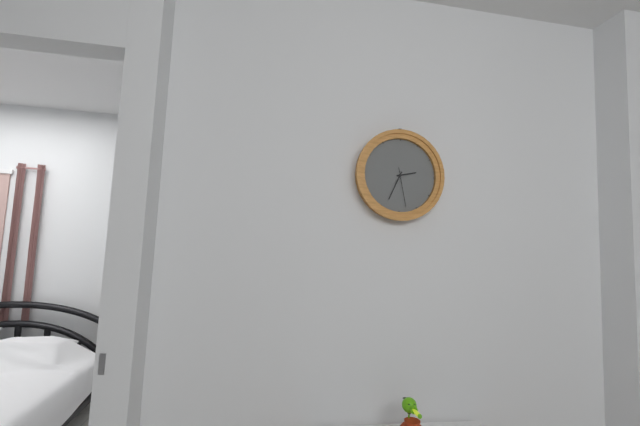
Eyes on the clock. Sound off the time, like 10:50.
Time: 2:34
